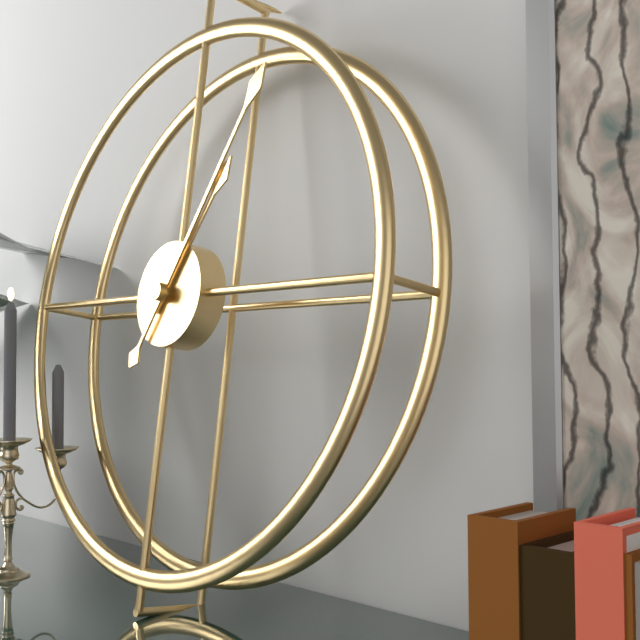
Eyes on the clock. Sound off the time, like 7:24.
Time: 1:05
